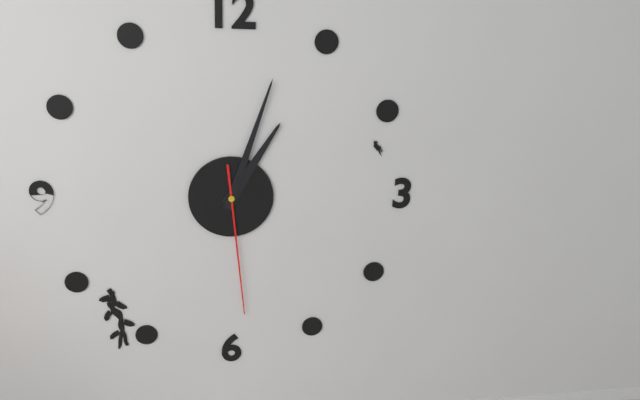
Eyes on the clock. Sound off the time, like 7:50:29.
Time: 1:03:29
